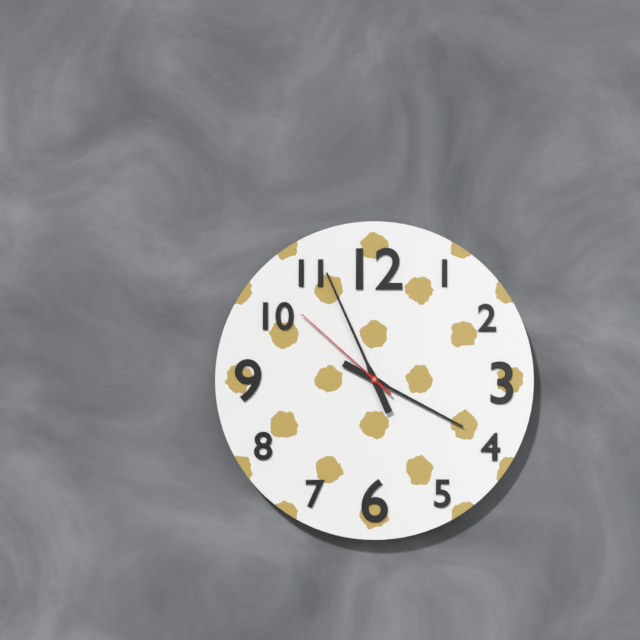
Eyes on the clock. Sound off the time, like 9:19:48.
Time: 3:56:52
